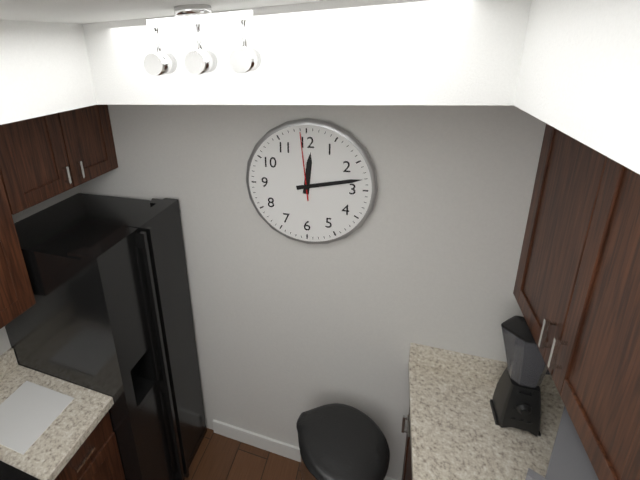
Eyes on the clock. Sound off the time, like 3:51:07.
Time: 12:13:59
